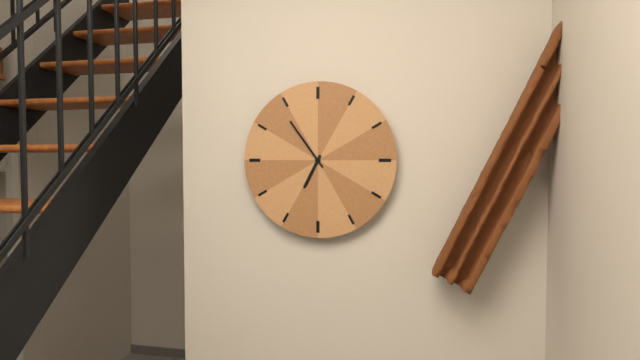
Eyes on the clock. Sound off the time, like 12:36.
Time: 6:54
